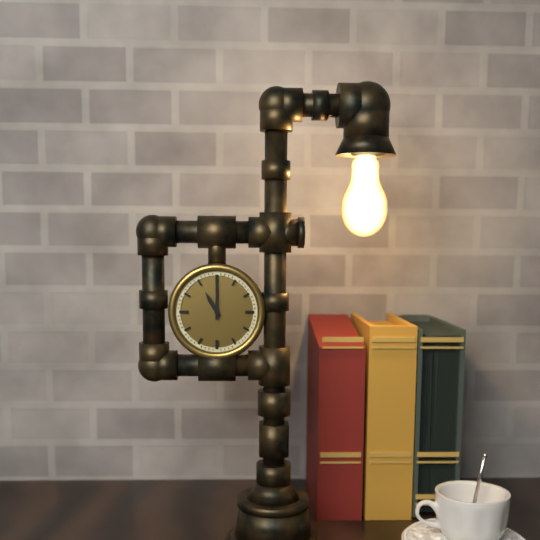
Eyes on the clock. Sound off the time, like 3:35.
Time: 11:00
